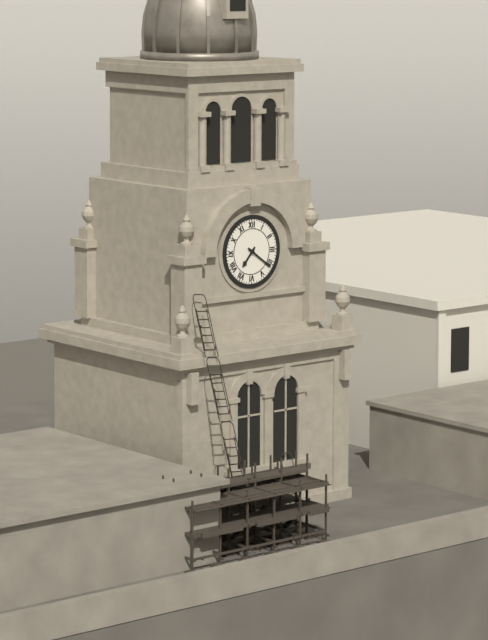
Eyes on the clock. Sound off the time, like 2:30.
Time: 7:21
